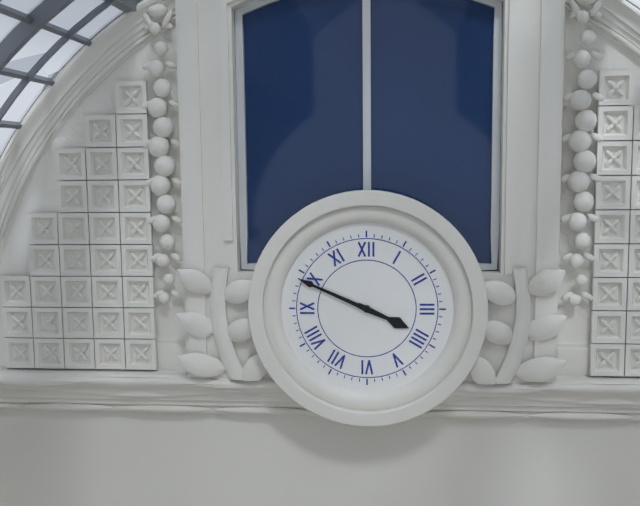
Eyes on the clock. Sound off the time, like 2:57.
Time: 3:49
